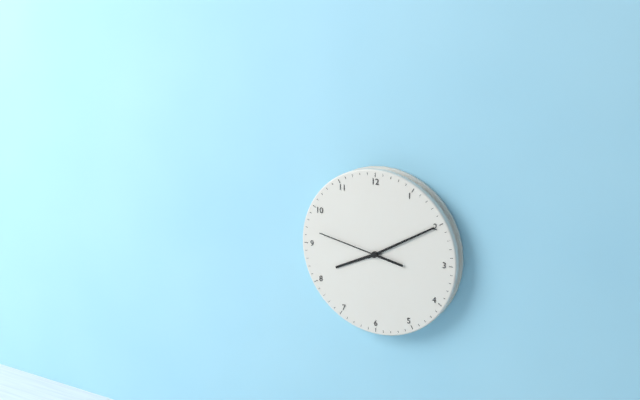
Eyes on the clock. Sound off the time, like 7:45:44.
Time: 8:10:47
